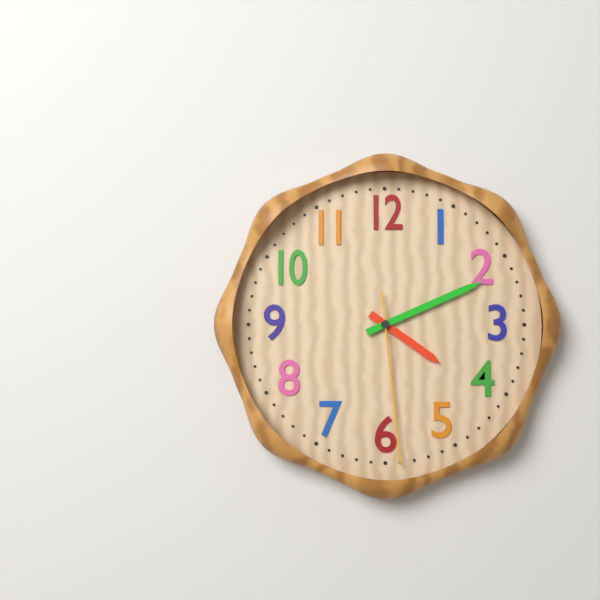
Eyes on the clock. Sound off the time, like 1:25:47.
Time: 4:11:29
